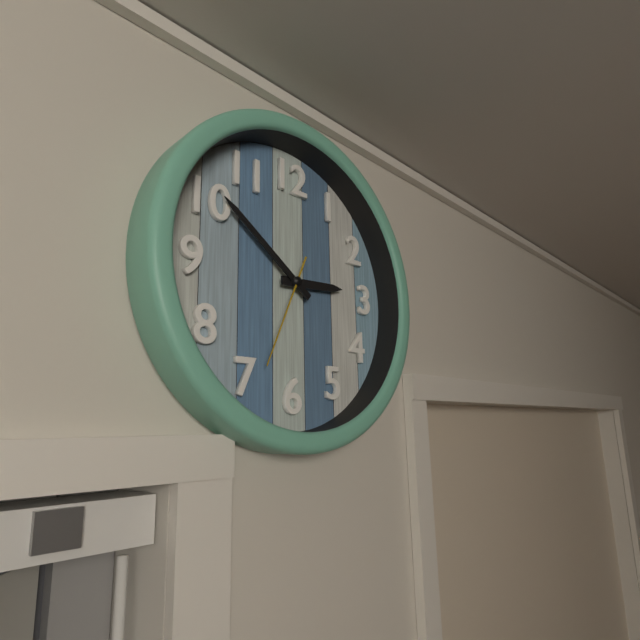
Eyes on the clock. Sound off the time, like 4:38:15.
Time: 2:51:34
